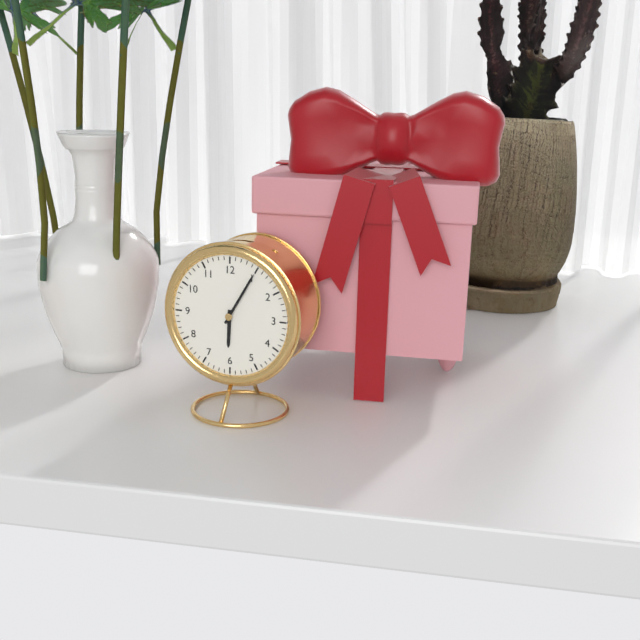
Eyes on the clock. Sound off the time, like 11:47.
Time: 6:05
